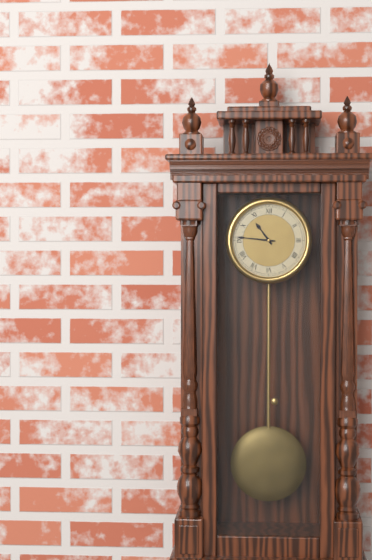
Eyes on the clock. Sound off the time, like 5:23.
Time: 10:46
